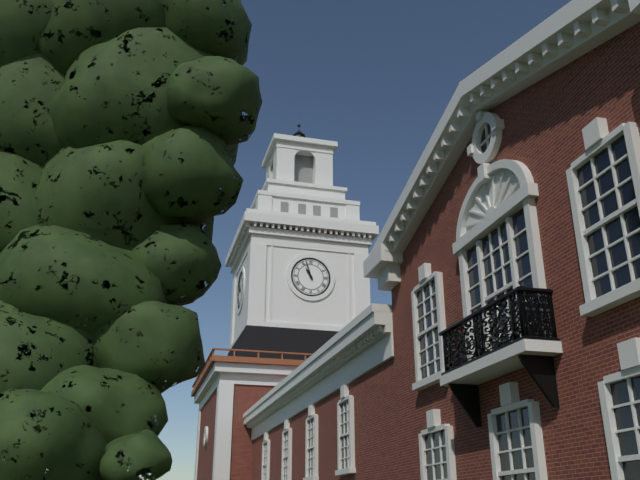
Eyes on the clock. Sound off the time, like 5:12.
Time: 10:57
